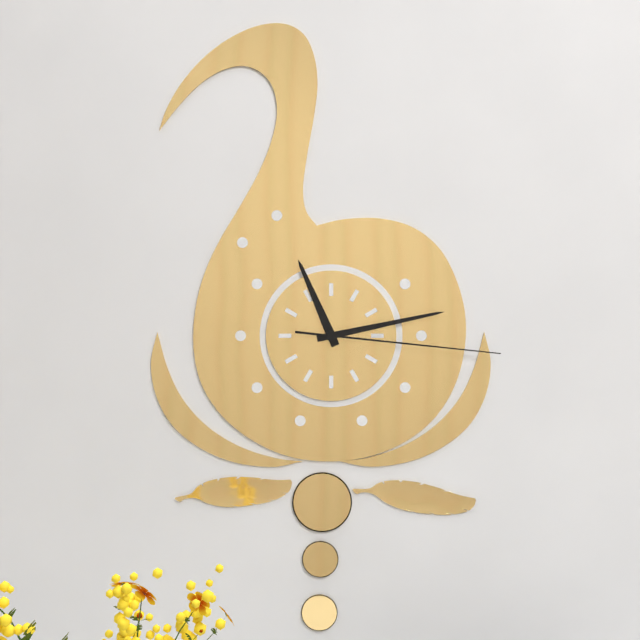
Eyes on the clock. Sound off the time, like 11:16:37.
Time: 11:13:16
